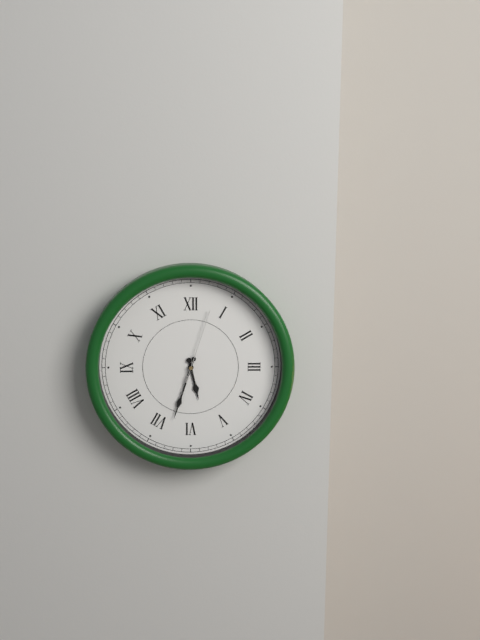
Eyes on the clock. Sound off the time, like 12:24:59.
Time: 5:33:03
